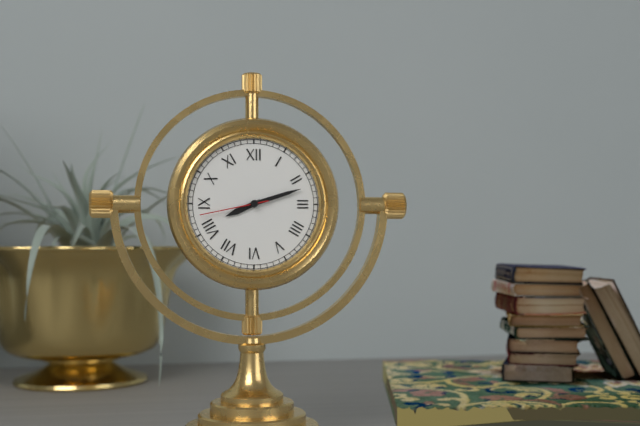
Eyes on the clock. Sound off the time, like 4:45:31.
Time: 8:12:43
